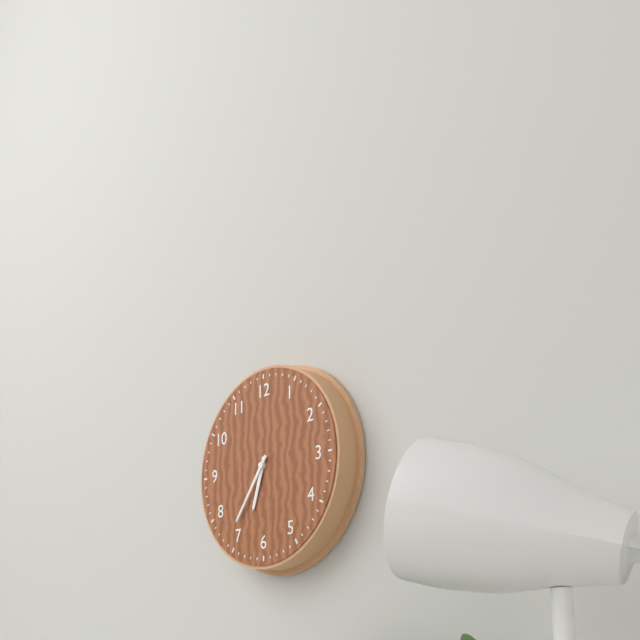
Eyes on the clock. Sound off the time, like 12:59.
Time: 6:36
